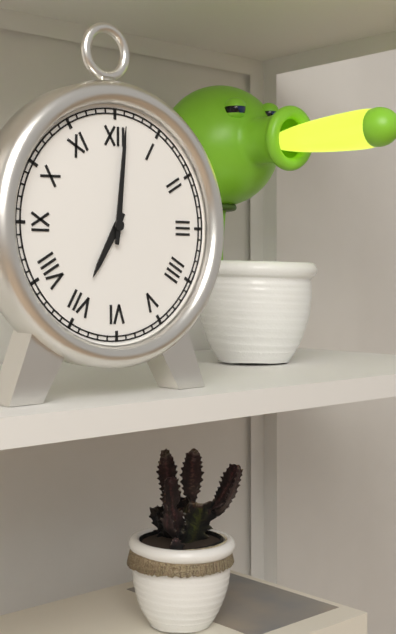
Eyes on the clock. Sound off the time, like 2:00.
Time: 7:01
